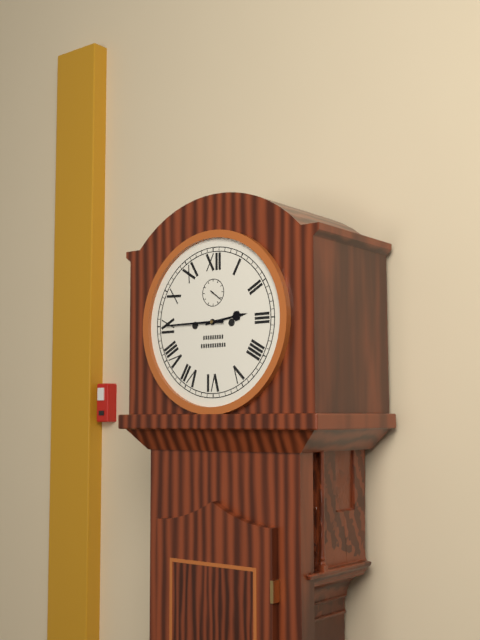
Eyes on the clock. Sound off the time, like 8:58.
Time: 2:45
